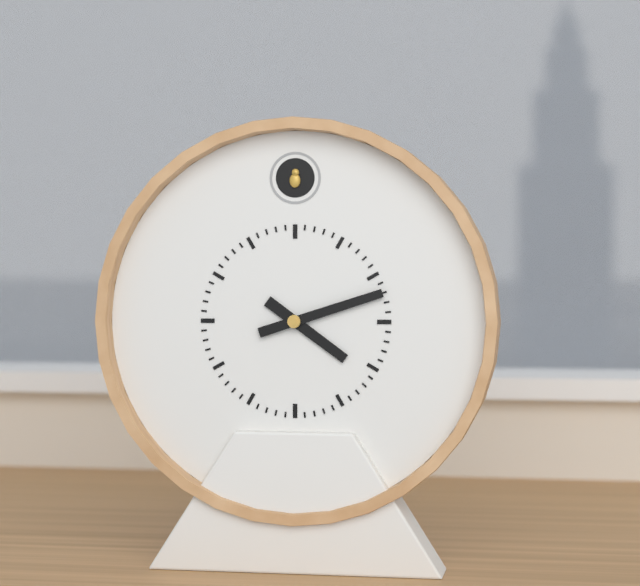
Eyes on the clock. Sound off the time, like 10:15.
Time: 4:12
